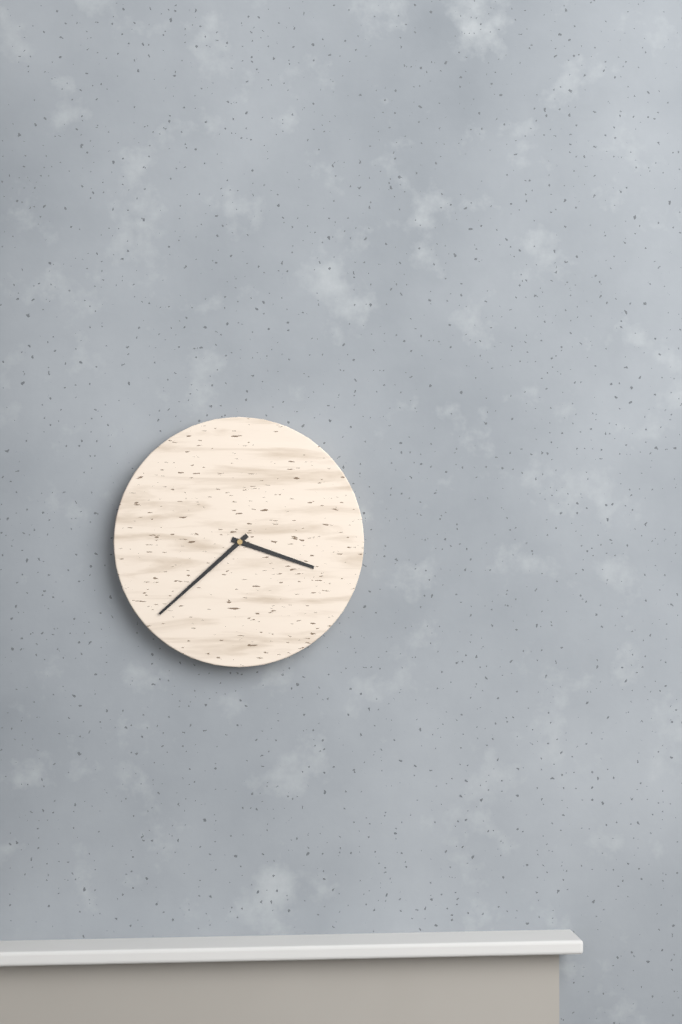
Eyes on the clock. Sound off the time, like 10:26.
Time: 3:38
